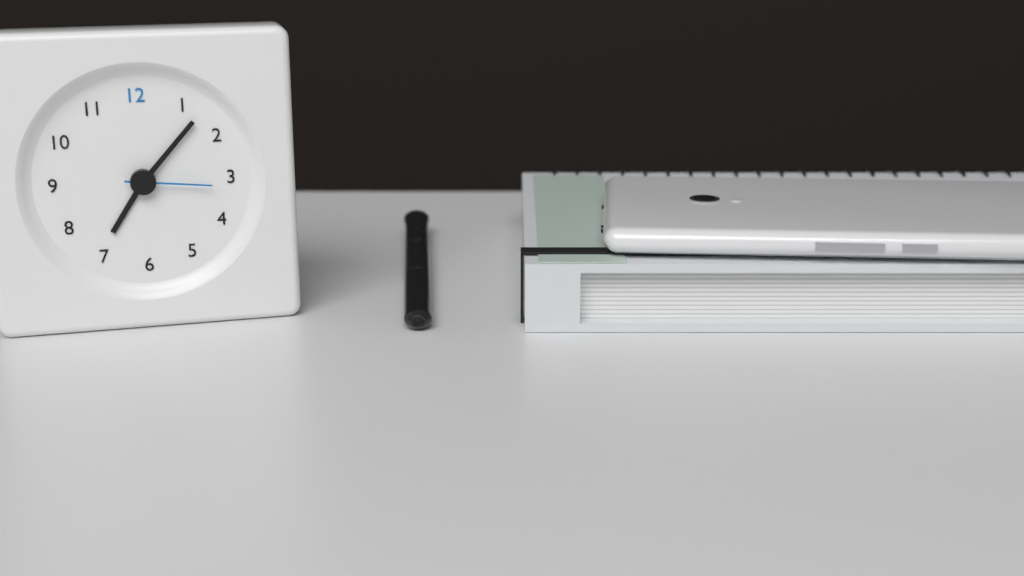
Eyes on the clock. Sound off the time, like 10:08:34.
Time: 7:07:16
